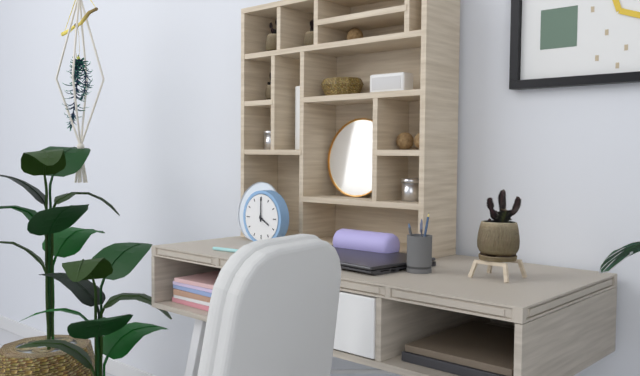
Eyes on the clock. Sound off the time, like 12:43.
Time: 4:00
